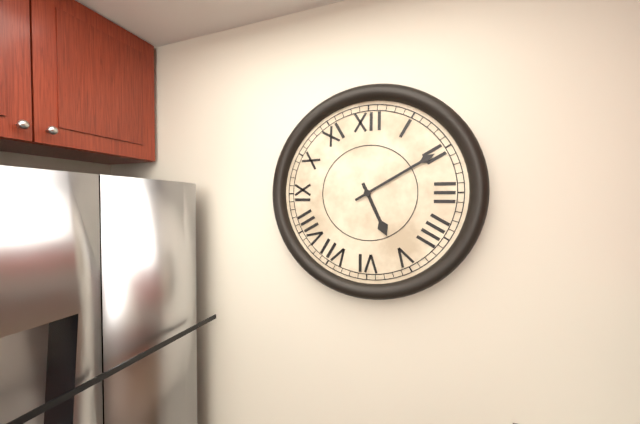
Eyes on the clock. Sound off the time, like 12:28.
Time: 5:10
